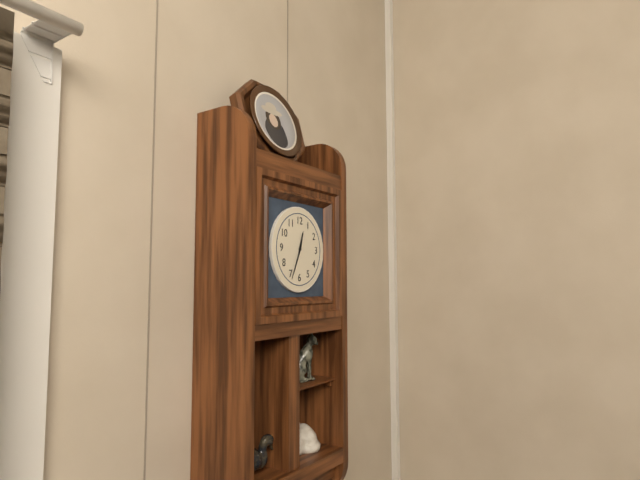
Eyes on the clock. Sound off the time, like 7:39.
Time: 12:34
